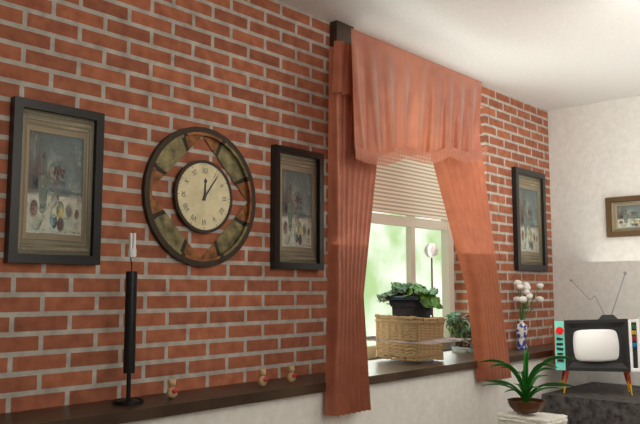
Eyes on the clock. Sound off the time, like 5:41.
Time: 12:06
